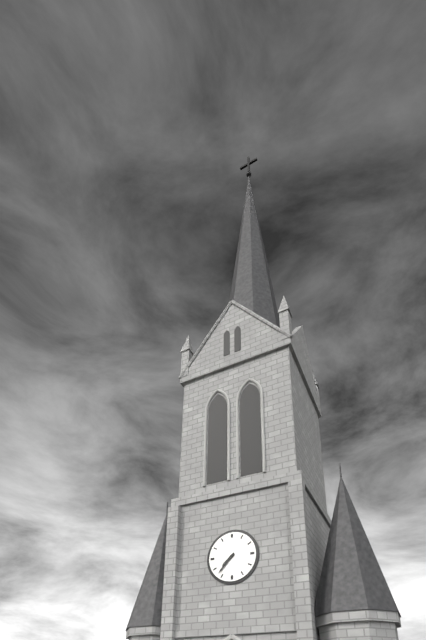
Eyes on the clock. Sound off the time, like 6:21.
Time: 7:37
